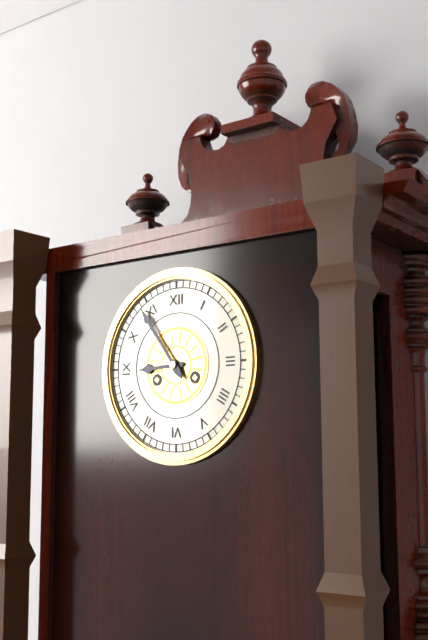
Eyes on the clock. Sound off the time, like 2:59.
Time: 8:54
